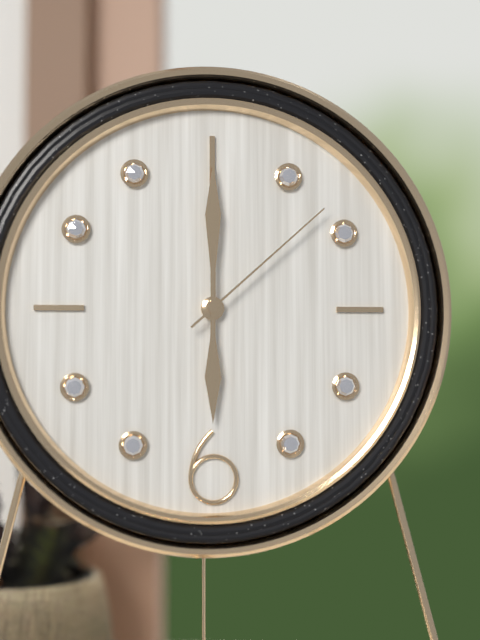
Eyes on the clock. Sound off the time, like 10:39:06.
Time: 6:00:08
